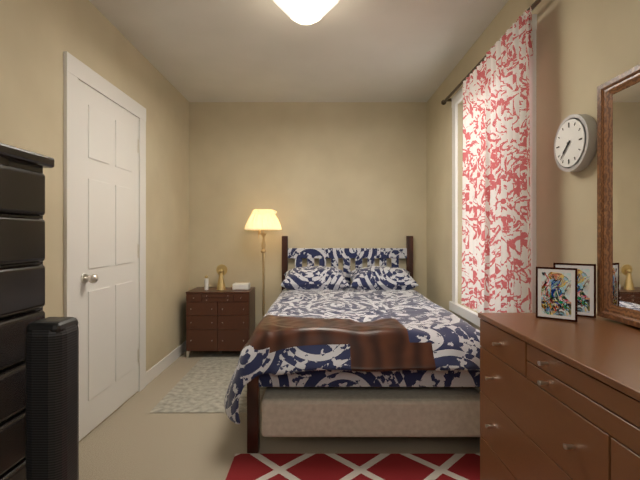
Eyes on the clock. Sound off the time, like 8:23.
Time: 7:37
